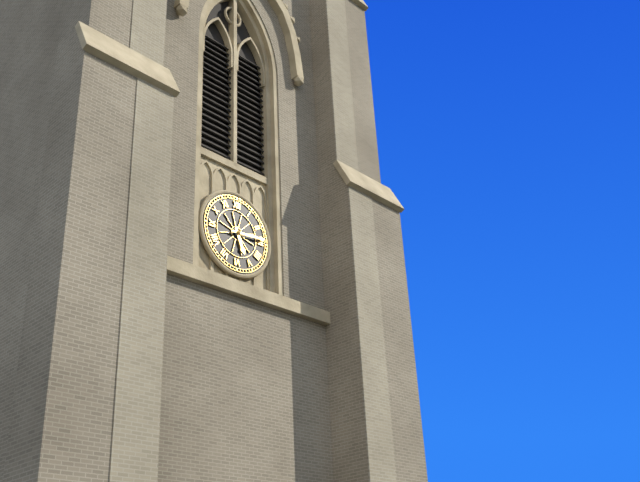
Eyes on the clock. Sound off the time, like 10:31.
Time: 5:14
